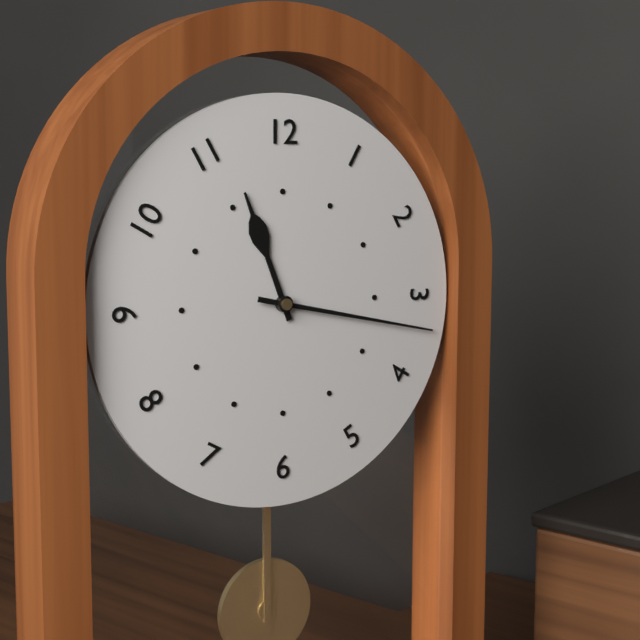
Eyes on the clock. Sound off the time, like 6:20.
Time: 11:17
